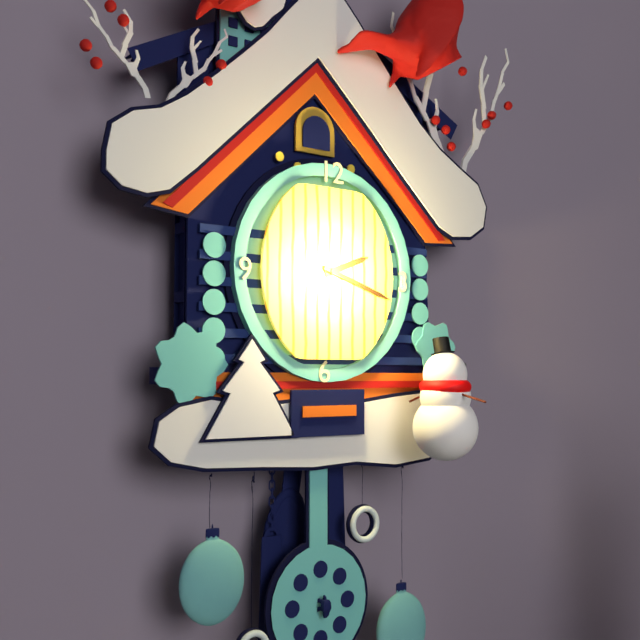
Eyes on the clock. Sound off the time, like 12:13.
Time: 2:18
